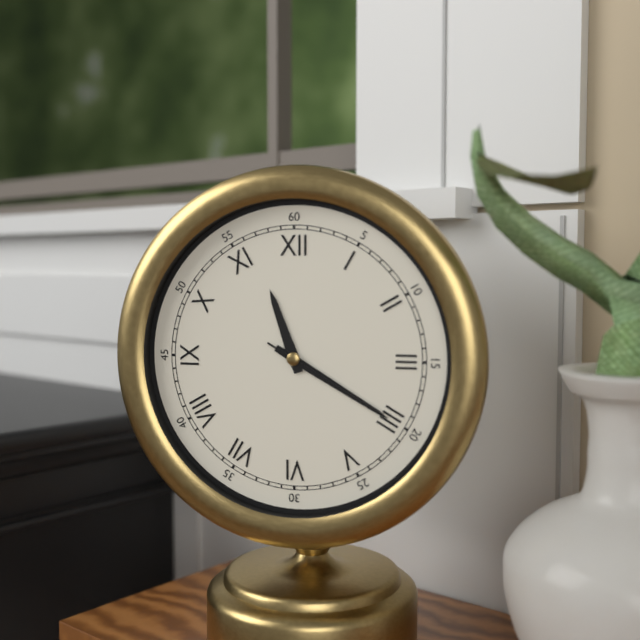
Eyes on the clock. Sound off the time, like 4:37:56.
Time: 11:20:20
